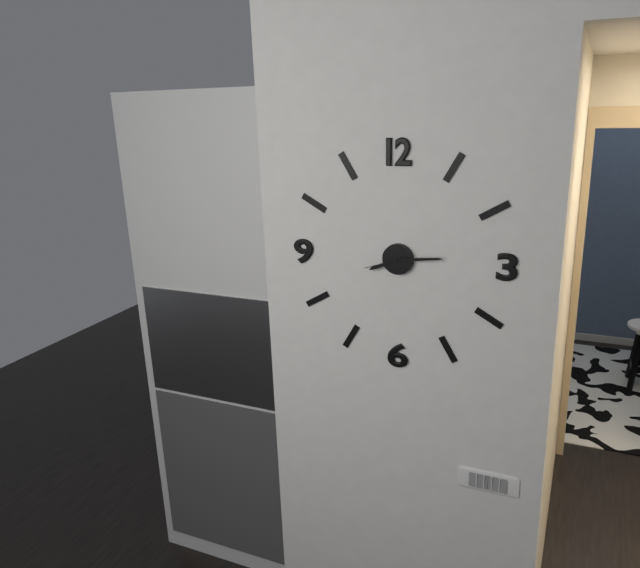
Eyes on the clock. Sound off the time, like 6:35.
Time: 8:14
